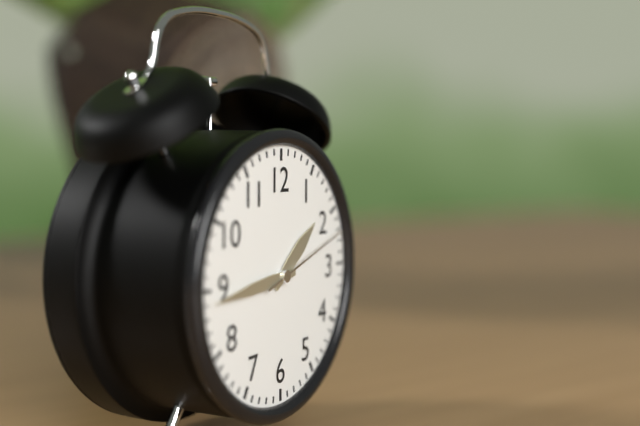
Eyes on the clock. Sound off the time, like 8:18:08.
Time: 1:44:12
